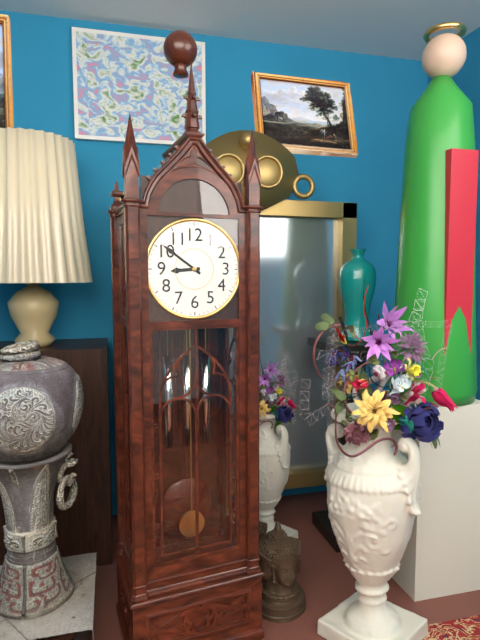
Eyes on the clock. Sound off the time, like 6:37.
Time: 8:51
